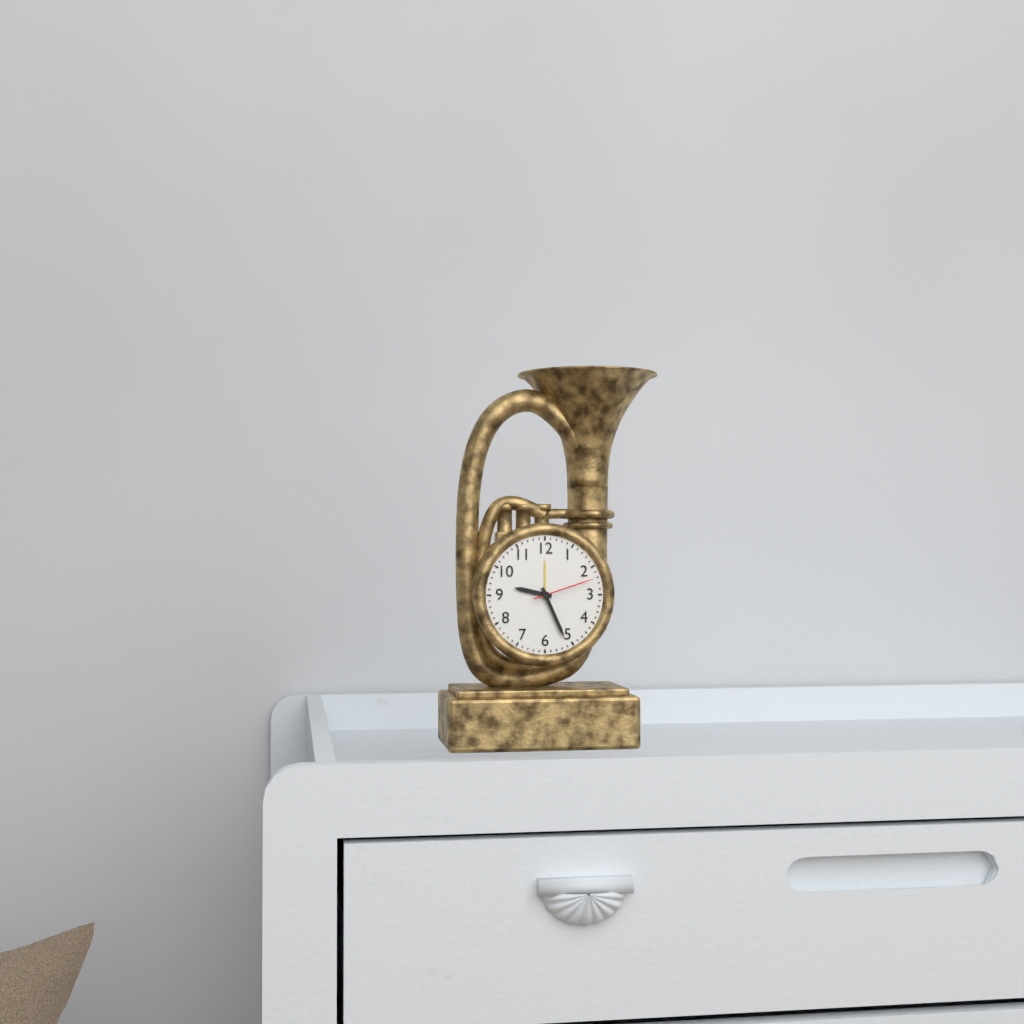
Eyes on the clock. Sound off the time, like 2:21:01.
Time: 9:26:12
